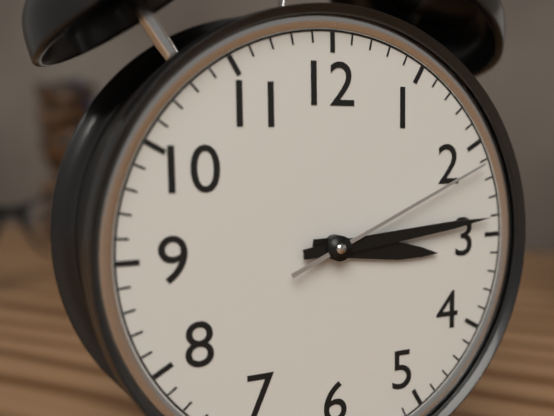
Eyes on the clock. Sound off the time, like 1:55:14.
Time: 3:14:11
